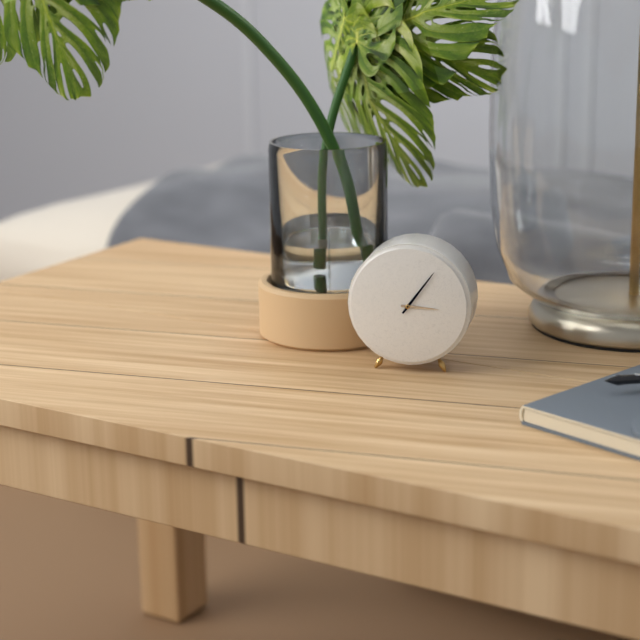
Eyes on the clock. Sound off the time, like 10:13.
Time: 3:06
